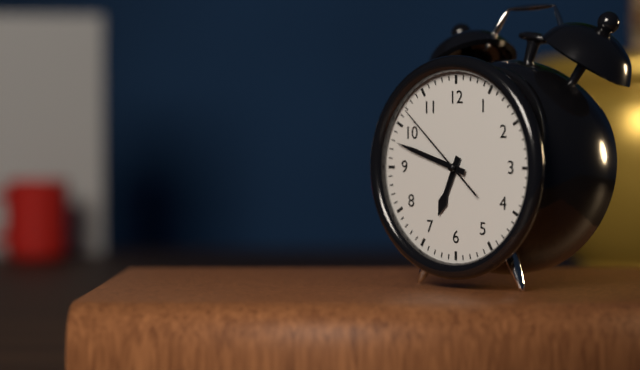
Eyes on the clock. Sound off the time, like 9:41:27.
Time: 6:48:52
